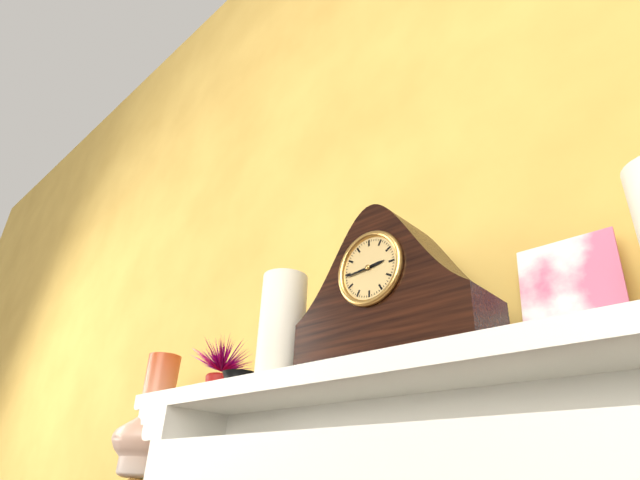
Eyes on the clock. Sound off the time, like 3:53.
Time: 2:44
